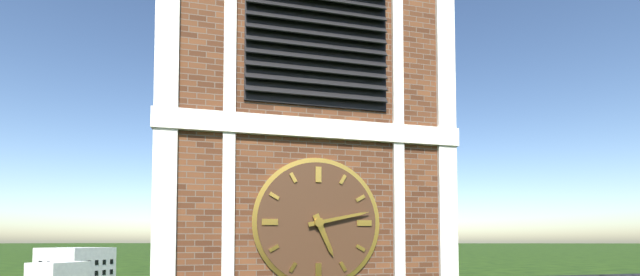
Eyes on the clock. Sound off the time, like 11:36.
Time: 5:13
